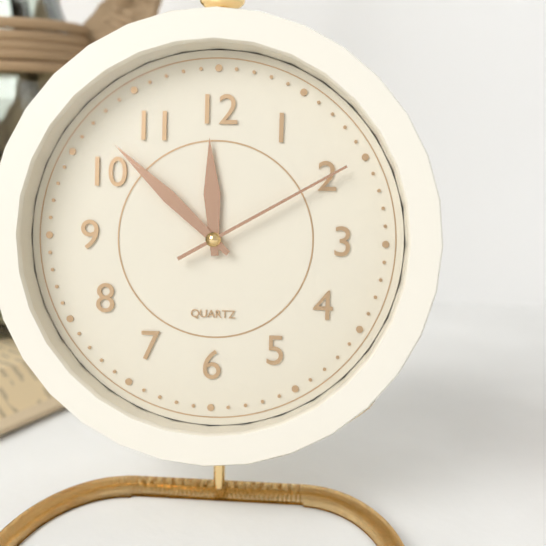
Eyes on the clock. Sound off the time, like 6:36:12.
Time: 11:52:10
